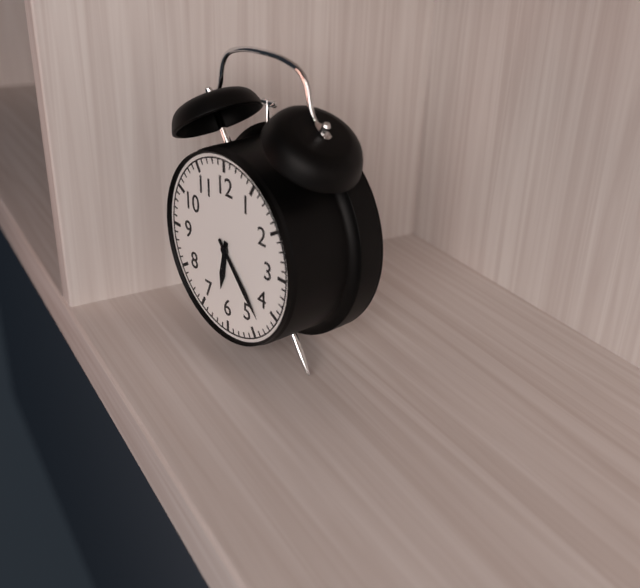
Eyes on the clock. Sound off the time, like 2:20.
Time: 6:23
